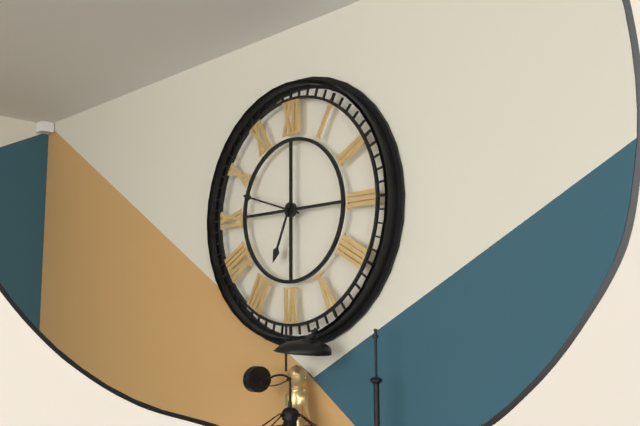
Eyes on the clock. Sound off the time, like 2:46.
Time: 6:48
